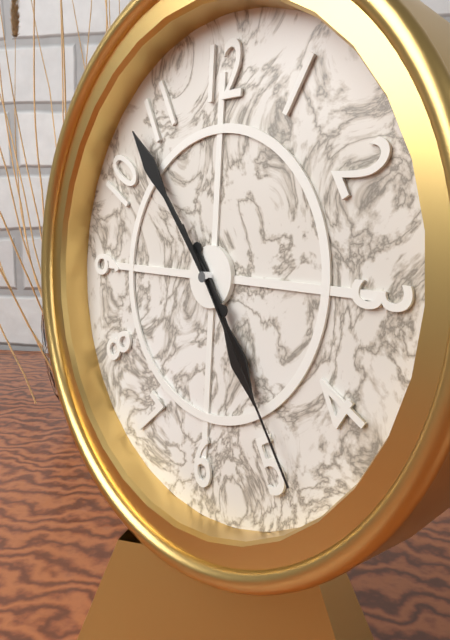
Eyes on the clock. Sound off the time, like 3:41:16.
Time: 4:53:24
